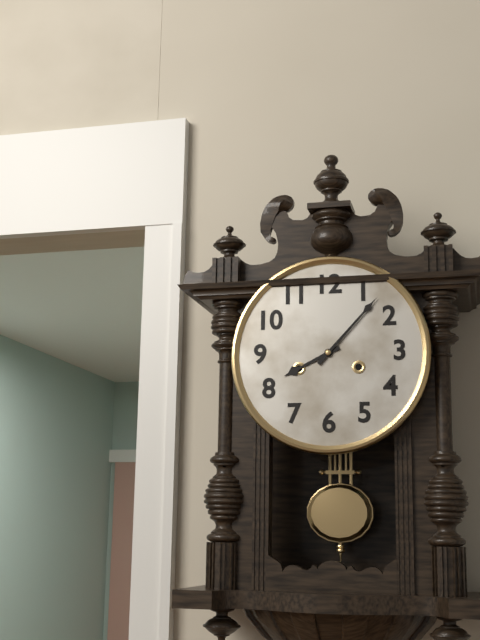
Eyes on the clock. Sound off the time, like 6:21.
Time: 8:07
